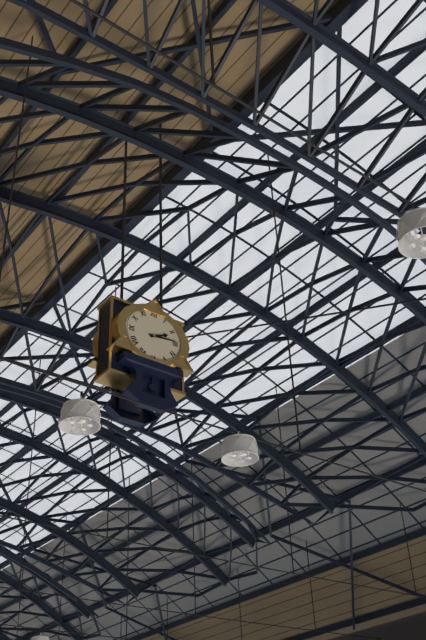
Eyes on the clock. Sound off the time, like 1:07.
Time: 2:14
